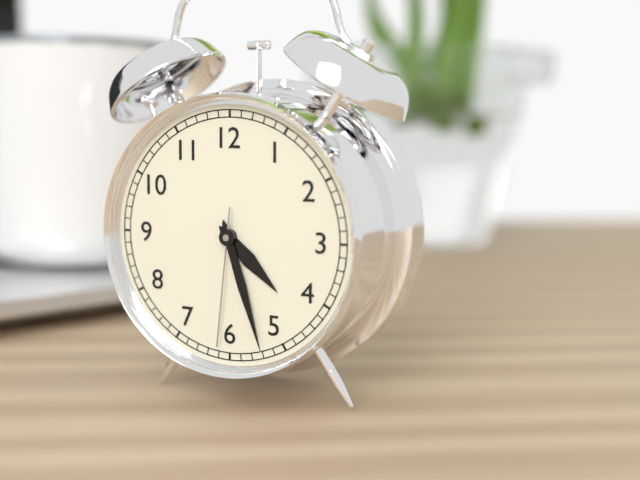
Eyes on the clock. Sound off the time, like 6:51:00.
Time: 4:27:31
